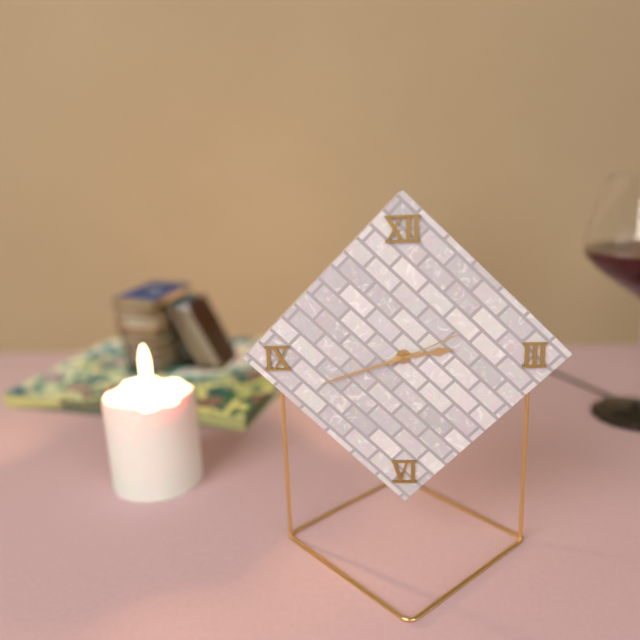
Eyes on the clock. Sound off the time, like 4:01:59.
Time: 2:42:11
